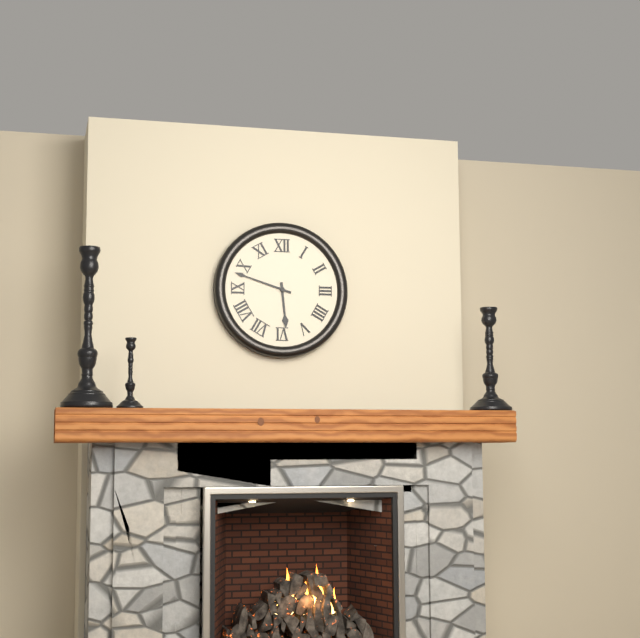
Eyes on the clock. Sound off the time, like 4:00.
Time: 5:48
